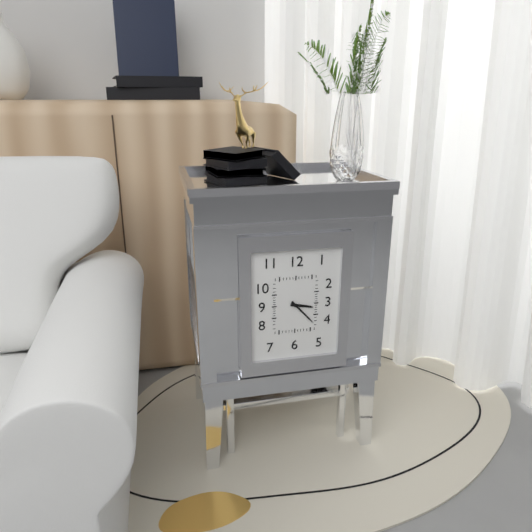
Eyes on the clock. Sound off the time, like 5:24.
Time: 3:23
